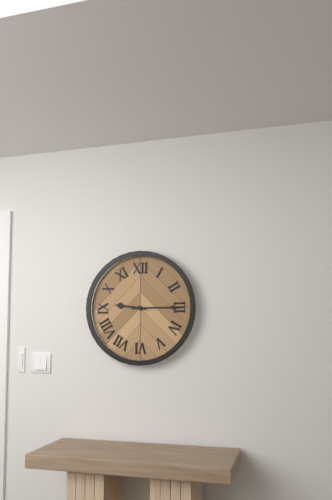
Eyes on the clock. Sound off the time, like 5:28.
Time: 9:15
